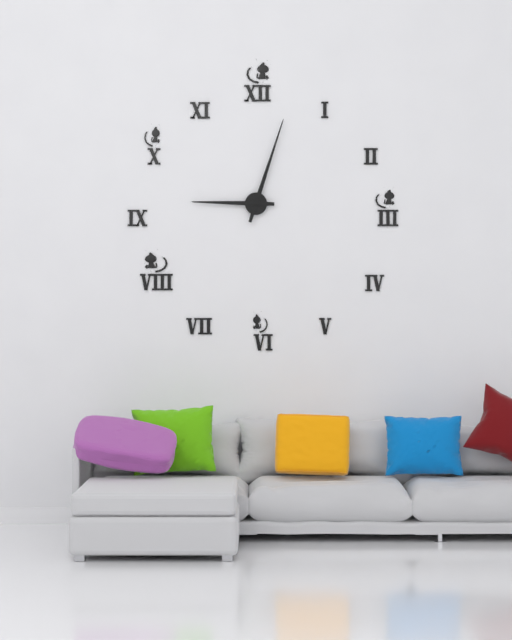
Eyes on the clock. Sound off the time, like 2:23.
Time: 9:03
